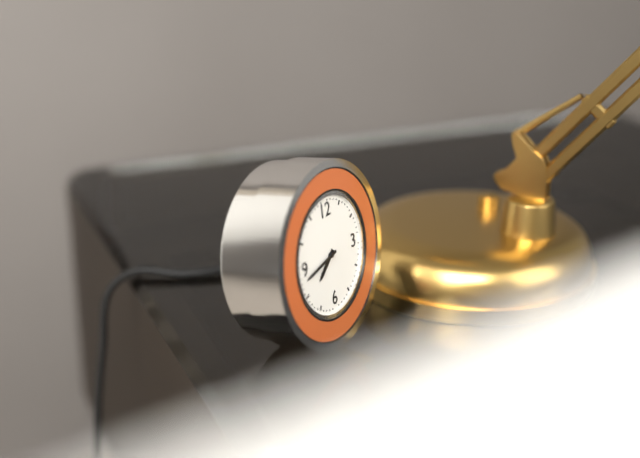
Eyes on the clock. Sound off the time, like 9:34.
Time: 7:43
